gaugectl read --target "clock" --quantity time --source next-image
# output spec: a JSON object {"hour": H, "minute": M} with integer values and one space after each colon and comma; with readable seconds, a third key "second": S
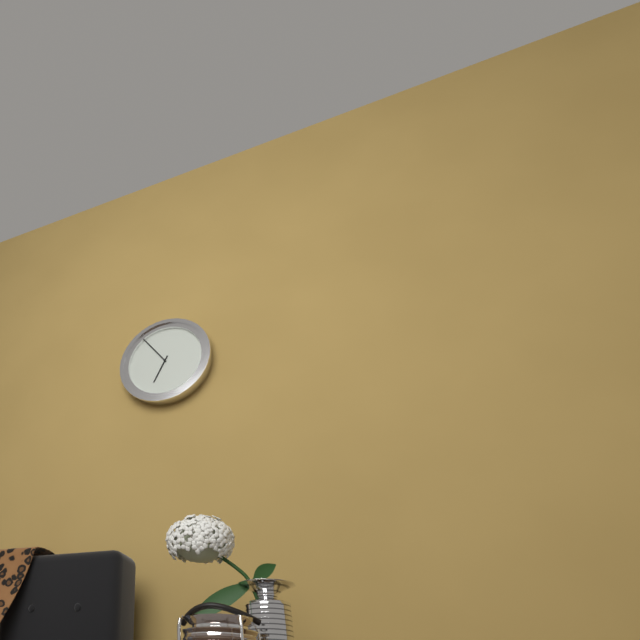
{"hour": 6, "minute": 54}
